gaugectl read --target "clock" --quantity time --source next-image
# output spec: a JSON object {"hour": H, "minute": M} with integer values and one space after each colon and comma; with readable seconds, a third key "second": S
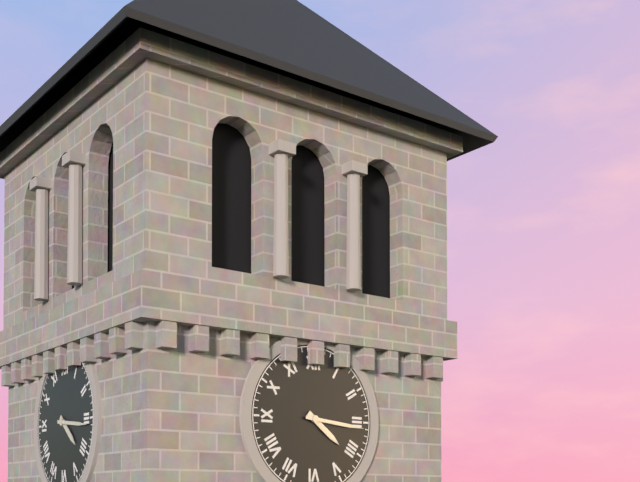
{"hour": 4, "minute": 16}
